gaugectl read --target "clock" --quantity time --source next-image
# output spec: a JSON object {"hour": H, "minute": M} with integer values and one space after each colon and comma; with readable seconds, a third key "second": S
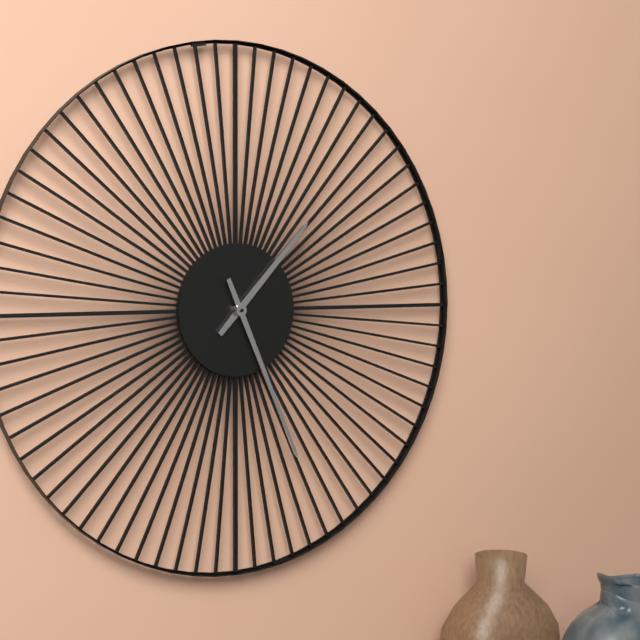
{"hour": 1, "minute": 26}
